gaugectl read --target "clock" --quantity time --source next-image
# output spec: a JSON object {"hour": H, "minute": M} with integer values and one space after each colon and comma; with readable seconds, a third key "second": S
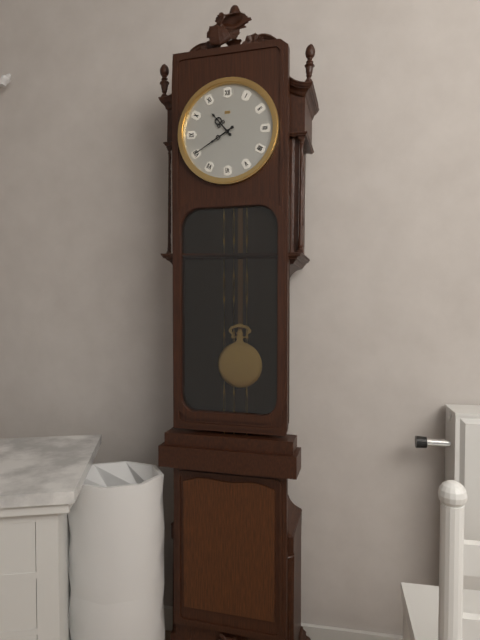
{"hour": 10, "minute": 40}
